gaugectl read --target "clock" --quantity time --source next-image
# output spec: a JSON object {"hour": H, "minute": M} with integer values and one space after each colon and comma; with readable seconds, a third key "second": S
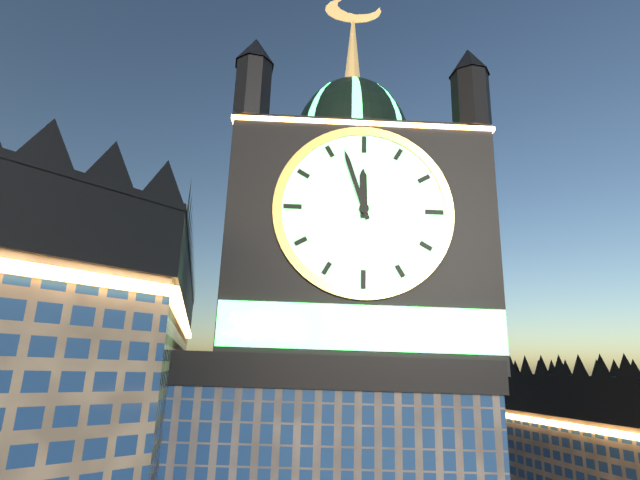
{"hour": 11, "minute": 57}
